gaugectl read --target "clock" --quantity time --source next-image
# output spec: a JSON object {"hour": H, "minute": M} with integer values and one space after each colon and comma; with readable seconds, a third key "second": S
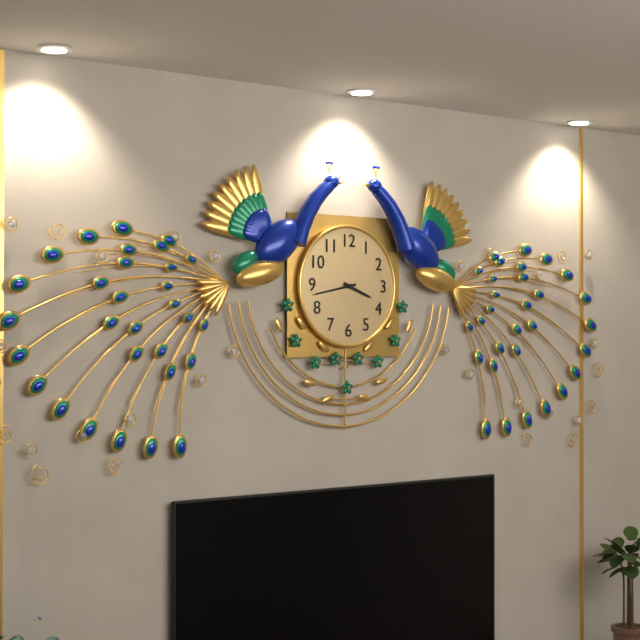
{"hour": 3, "minute": 43}
